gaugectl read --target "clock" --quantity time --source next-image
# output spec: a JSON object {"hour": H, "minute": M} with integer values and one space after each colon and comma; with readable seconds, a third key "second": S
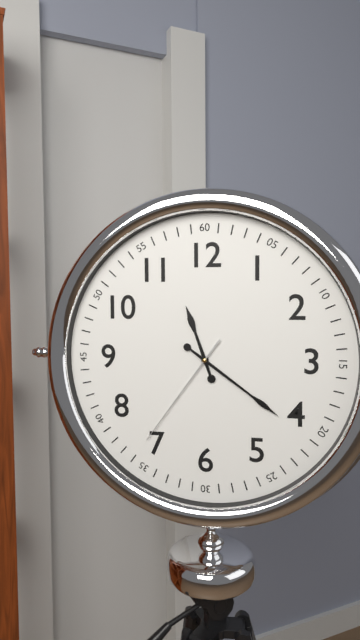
{"hour": 11, "minute": 21, "second": 36}
